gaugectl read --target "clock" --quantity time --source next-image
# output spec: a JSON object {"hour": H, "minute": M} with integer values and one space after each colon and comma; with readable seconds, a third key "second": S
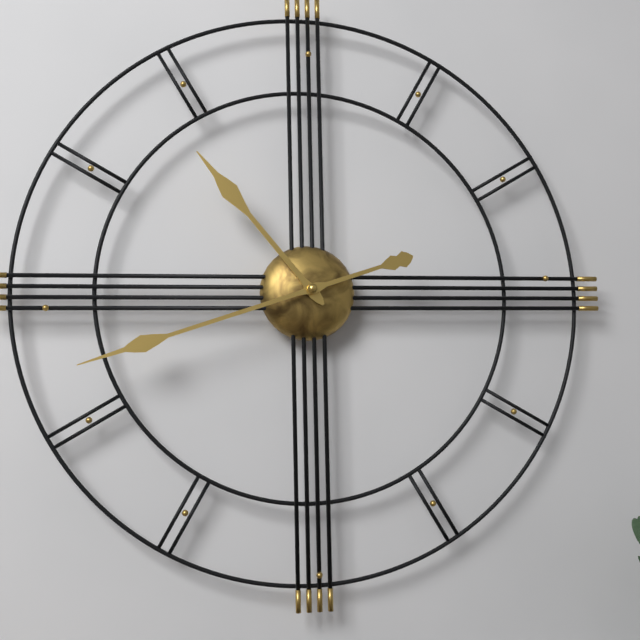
{"hour": 10, "minute": 42}
